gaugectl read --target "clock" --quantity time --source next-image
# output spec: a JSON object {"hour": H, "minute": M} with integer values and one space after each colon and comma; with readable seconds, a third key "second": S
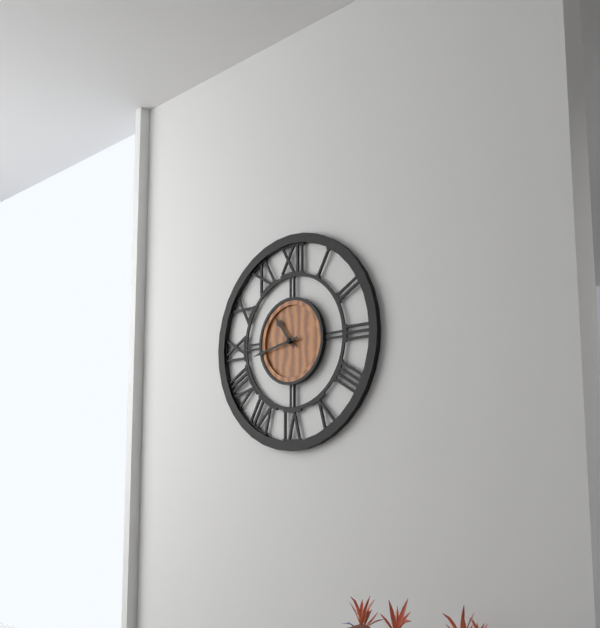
{"hour": 10, "minute": 43}
